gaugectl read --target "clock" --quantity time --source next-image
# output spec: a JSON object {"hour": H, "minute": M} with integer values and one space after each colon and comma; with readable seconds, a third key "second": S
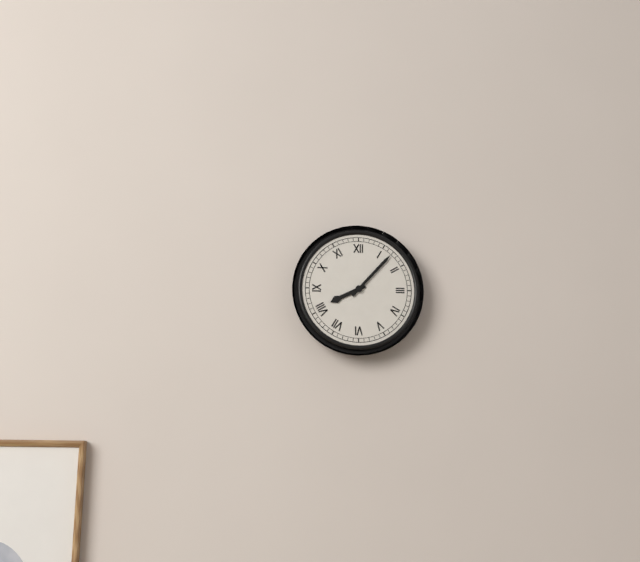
{"hour": 8, "minute": 7}
